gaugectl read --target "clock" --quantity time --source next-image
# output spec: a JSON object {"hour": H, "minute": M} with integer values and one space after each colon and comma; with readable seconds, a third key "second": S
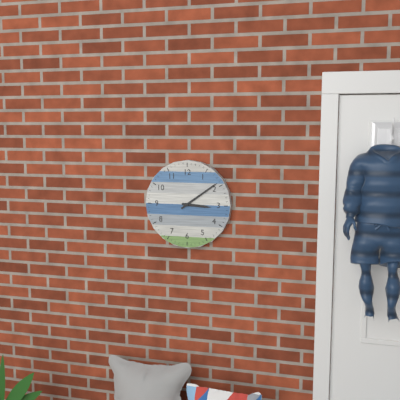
{"hour": 3, "minute": 9}
